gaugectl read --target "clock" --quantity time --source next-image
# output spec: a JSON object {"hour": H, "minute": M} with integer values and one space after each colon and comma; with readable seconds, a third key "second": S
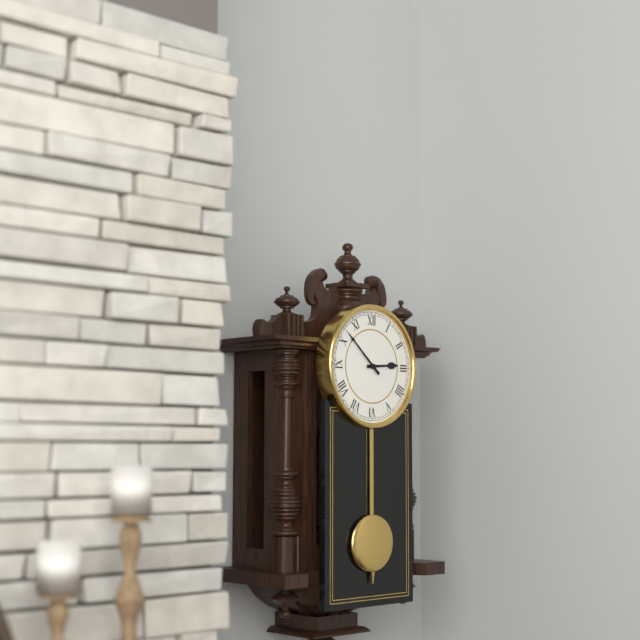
{"hour": 2, "minute": 52}
